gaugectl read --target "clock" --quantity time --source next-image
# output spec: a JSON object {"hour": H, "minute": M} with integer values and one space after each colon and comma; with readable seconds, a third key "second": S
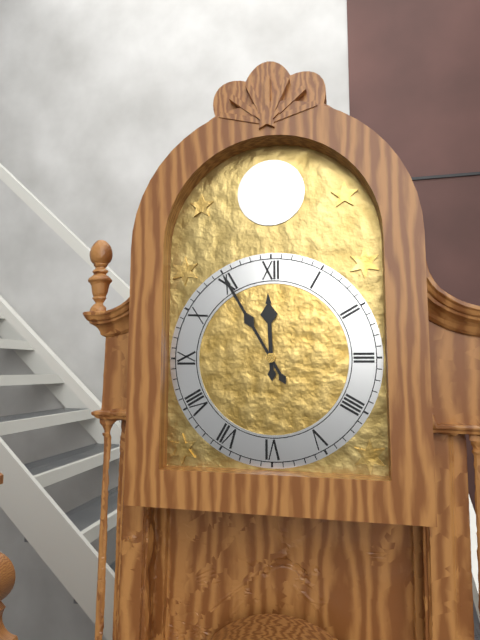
{"hour": 11, "minute": 55}
